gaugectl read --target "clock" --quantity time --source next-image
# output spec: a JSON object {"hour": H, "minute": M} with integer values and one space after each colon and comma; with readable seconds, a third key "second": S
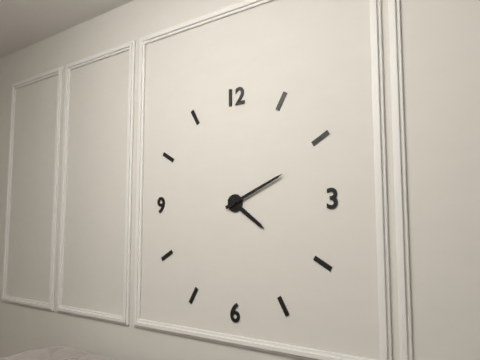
{"hour": 4, "minute": 11}
